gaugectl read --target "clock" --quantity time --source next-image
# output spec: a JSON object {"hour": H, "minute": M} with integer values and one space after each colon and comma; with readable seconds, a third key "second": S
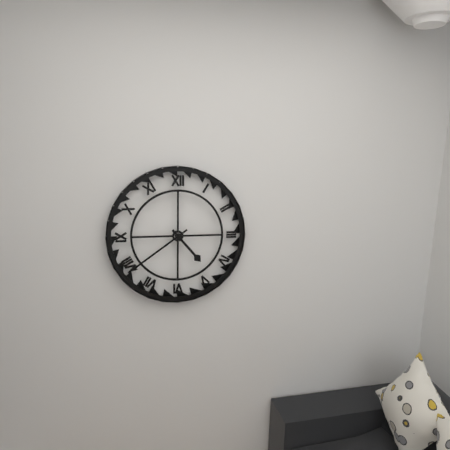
{"hour": 4, "minute": 39}
